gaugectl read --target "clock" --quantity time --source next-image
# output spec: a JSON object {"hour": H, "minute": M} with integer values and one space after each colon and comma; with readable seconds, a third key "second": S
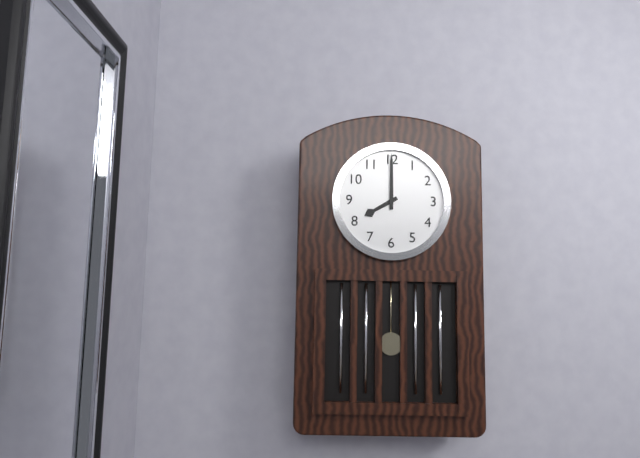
{"hour": 8, "minute": 0}
